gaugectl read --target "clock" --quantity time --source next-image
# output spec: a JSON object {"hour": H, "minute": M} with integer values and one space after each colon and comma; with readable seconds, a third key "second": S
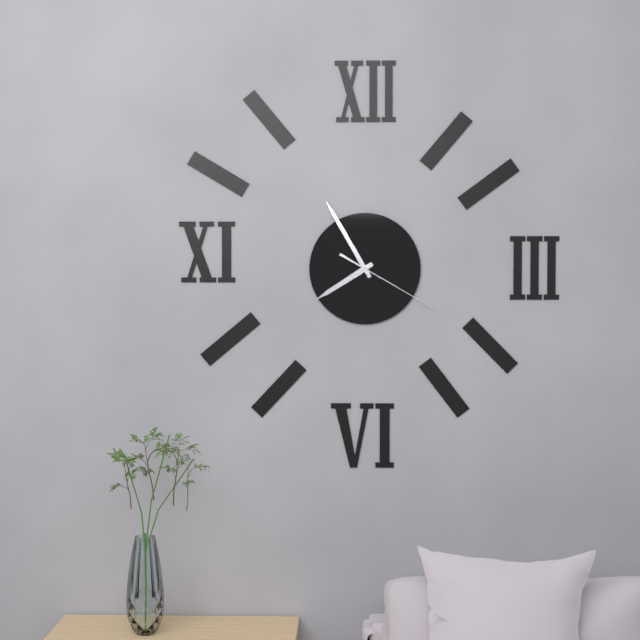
{"hour": 7, "minute": 55, "second": 20}
